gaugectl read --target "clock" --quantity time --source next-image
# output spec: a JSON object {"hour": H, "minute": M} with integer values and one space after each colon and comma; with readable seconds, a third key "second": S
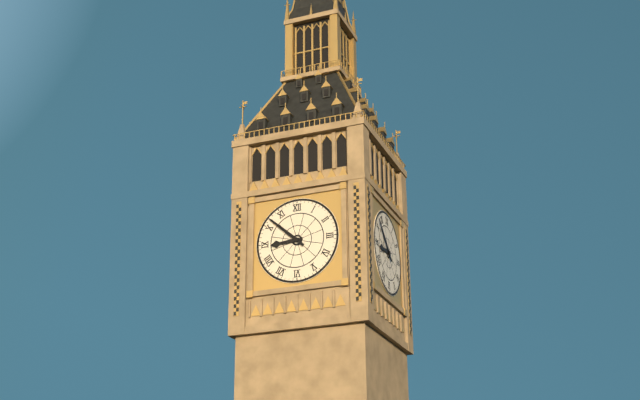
{"hour": 8, "minute": 52}
